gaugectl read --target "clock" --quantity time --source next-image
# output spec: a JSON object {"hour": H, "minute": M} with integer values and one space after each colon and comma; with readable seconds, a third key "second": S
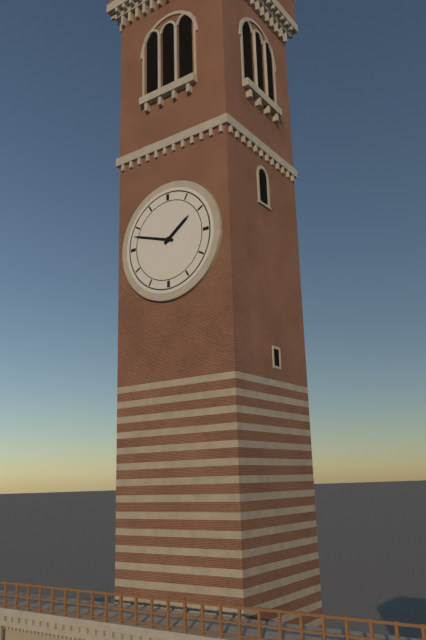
{"hour": 1, "minute": 48}
